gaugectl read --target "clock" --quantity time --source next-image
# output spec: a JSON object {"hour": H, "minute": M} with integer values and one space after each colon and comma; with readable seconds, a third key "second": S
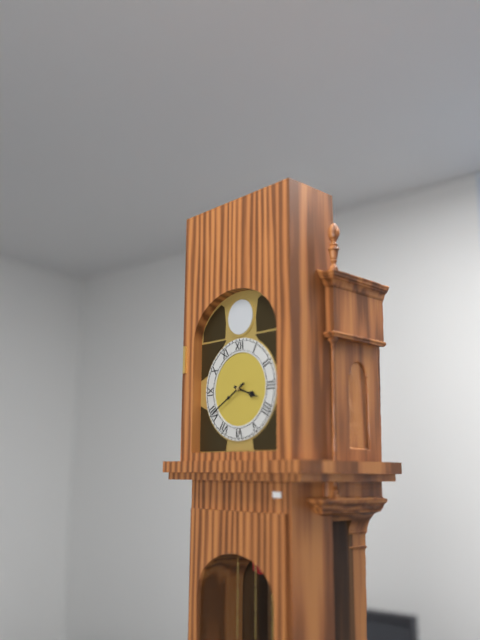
{"hour": 3, "minute": 40}
